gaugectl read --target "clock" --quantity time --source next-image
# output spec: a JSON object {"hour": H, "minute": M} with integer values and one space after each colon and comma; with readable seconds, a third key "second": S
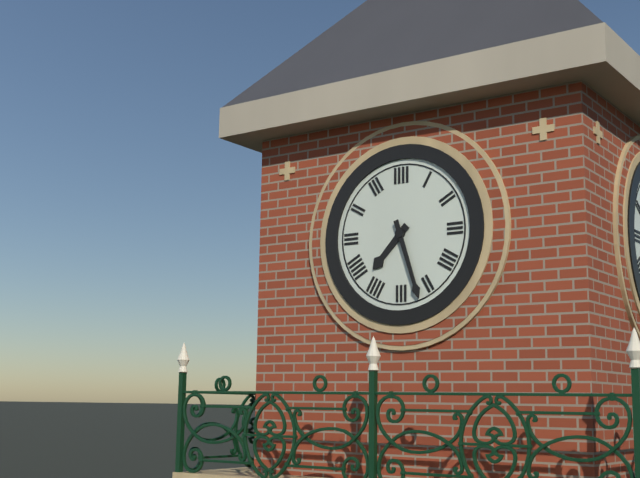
{"hour": 7, "minute": 27}
